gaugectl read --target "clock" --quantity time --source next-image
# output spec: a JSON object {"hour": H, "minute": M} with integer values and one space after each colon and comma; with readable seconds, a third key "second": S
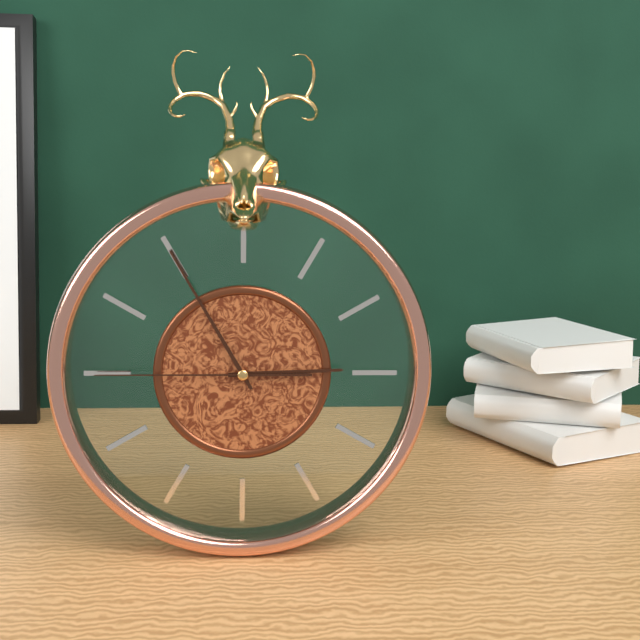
{"hour": 2, "minute": 55, "second": 45}
